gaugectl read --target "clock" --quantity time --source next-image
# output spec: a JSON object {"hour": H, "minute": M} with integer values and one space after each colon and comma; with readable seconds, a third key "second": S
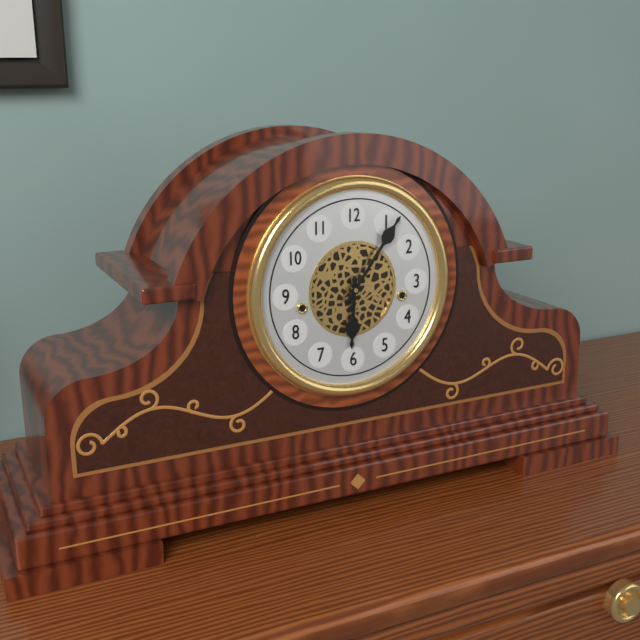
{"hour": 6, "minute": 6}
